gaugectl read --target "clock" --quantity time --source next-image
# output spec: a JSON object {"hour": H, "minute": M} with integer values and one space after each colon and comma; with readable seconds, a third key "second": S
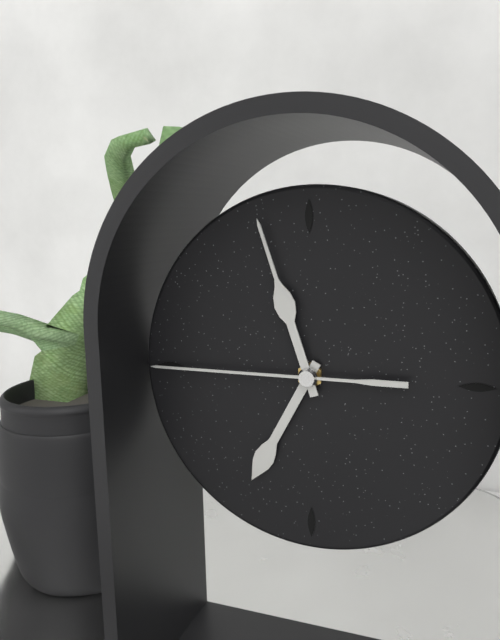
{"hour": 6, "minute": 57, "second": 45}
